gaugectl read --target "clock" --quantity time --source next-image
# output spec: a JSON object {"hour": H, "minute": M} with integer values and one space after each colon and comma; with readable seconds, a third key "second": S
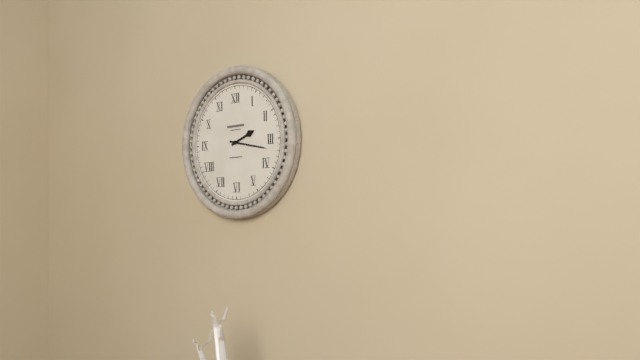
{"hour": 2, "minute": 17}
